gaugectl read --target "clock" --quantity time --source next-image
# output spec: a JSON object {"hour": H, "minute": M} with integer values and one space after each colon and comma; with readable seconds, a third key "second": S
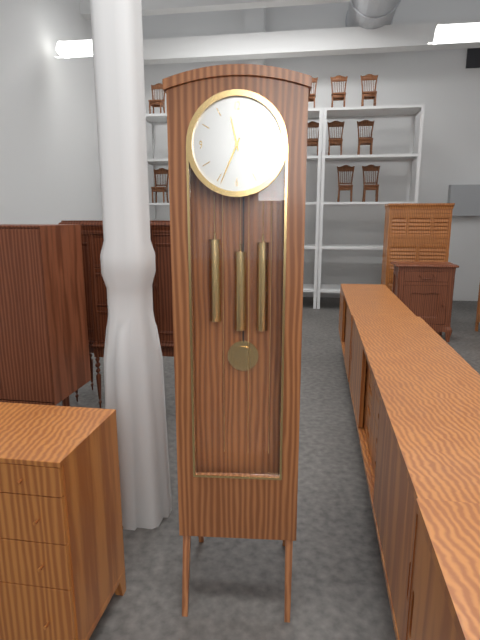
{"hour": 11, "minute": 34}
